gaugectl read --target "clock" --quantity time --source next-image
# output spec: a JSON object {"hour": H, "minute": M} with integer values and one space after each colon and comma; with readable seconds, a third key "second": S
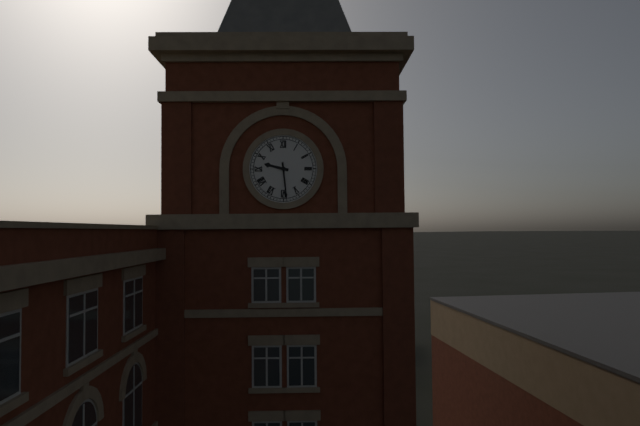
{"hour": 9, "minute": 29}
